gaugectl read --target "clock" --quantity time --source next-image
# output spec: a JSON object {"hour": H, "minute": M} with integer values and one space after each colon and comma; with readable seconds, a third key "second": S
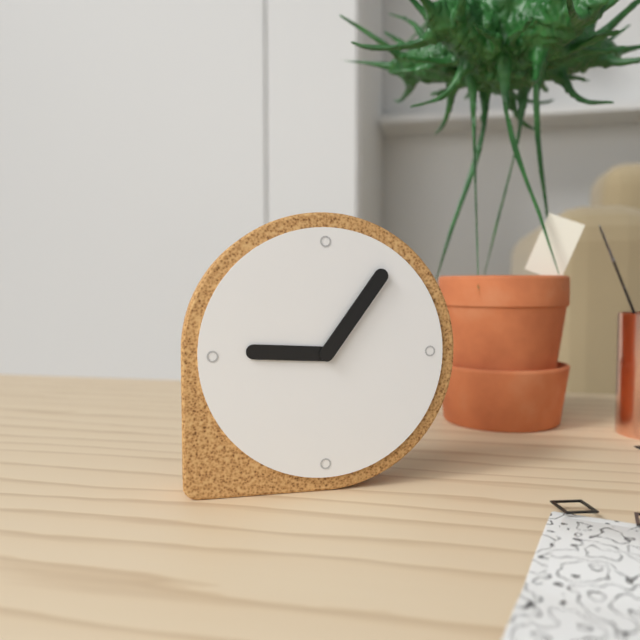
{"hour": 9, "minute": 6}
